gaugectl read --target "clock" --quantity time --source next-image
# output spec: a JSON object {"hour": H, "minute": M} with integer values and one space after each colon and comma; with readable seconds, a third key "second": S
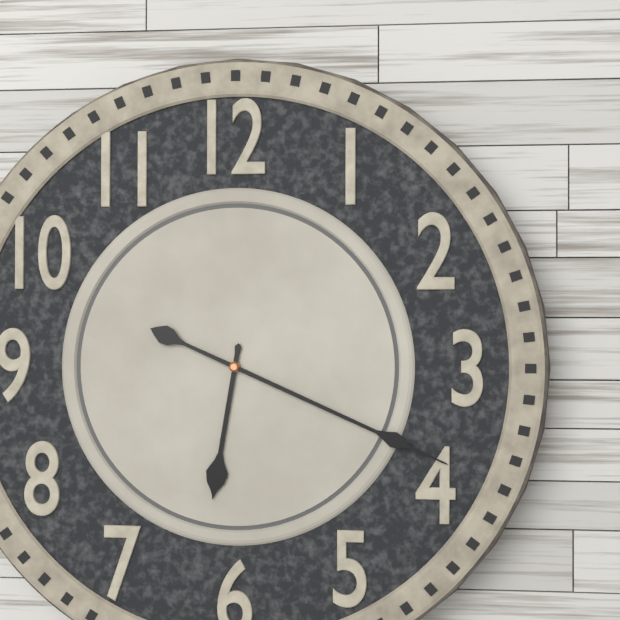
{"hour": 6, "minute": 19}
